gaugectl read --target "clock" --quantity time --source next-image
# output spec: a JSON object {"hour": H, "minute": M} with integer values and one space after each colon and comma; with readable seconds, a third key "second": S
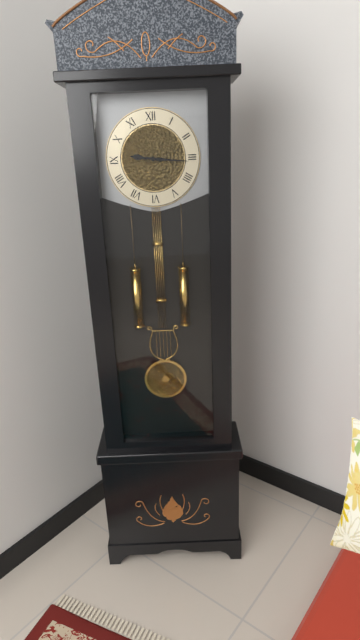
{"hour": 9, "minute": 16}
